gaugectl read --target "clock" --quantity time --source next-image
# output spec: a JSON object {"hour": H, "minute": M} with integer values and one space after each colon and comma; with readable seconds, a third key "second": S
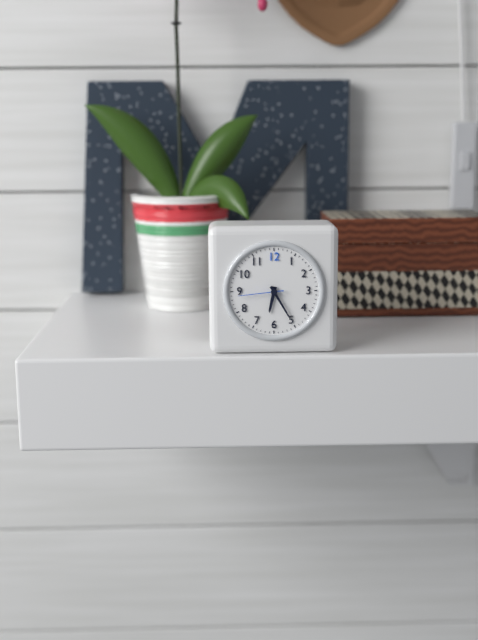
{"hour": 6, "minute": 25}
